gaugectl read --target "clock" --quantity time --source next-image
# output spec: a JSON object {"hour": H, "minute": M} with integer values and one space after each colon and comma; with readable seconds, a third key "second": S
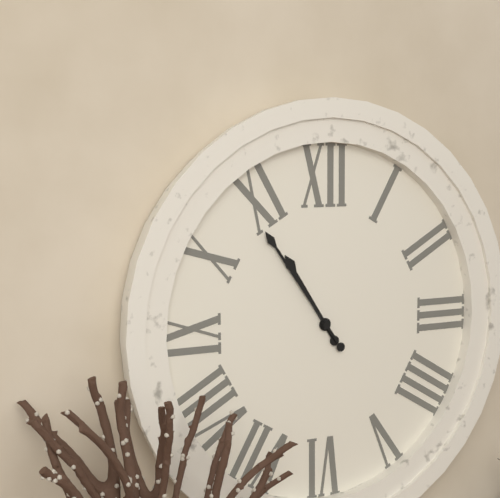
{"hour": 10, "minute": 54}
